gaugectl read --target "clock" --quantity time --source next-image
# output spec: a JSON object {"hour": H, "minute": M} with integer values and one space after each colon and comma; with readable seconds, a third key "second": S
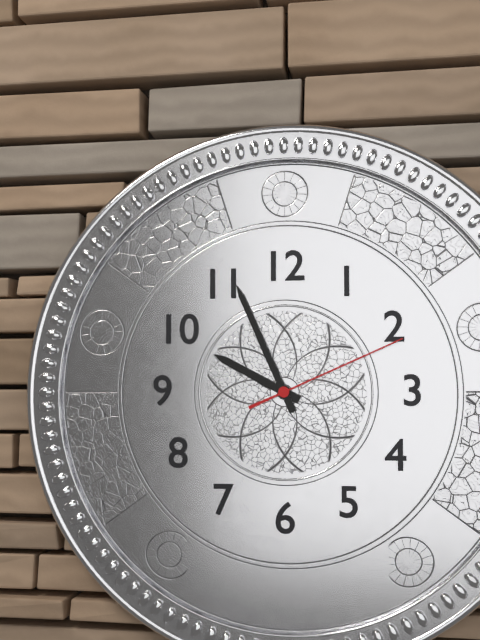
{"hour": 9, "minute": 56, "second": 11}
